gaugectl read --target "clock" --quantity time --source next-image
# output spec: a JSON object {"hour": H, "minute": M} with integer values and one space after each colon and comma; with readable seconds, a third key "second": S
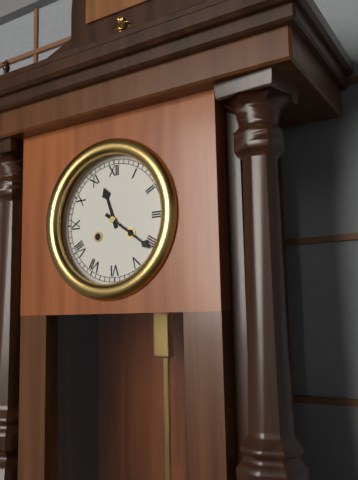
{"hour": 11, "minute": 21}
